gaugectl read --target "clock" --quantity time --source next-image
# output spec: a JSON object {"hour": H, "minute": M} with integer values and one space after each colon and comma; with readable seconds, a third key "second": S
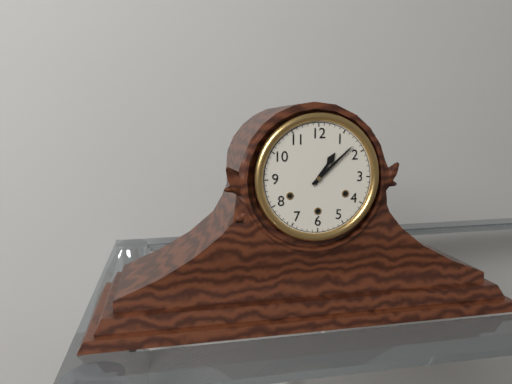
{"hour": 1, "minute": 8}
